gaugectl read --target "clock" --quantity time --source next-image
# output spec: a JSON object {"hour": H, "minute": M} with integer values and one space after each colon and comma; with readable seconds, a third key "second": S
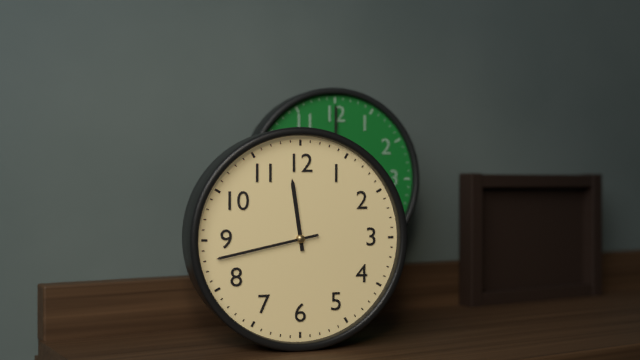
{"hour": 11, "minute": 43}
